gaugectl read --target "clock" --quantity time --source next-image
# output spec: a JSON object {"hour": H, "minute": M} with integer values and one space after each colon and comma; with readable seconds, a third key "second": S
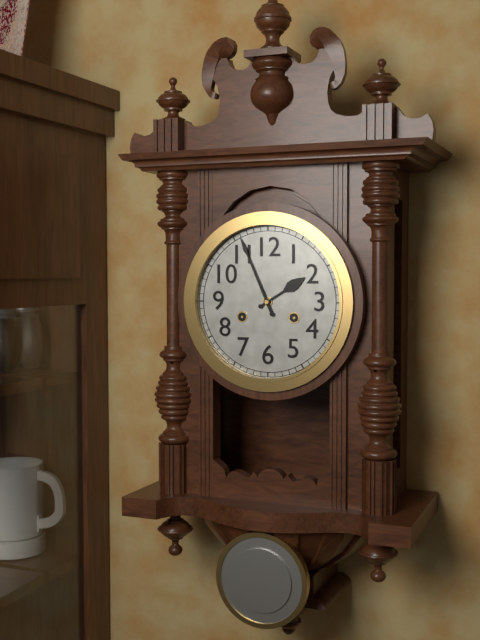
{"hour": 1, "minute": 56}
